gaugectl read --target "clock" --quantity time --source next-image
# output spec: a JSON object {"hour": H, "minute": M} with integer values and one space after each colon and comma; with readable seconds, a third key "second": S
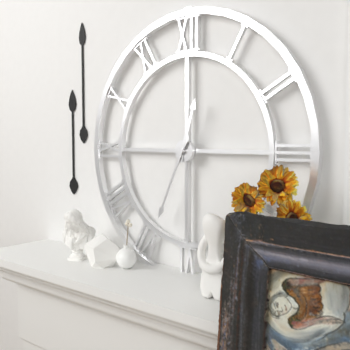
{"hour": 12, "minute": 34}
